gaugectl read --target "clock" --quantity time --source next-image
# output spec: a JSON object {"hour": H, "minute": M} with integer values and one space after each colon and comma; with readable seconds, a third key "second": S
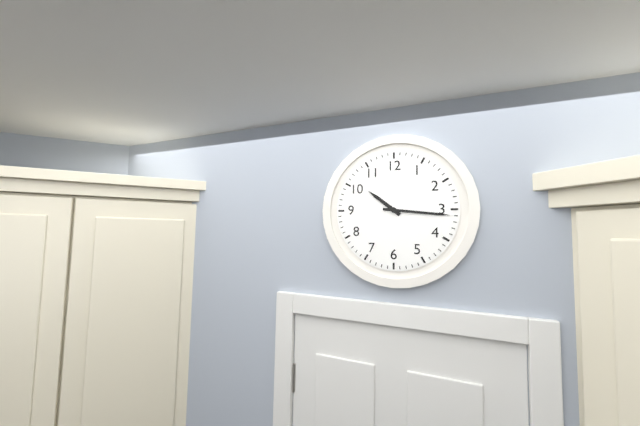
{"hour": 10, "minute": 16}
